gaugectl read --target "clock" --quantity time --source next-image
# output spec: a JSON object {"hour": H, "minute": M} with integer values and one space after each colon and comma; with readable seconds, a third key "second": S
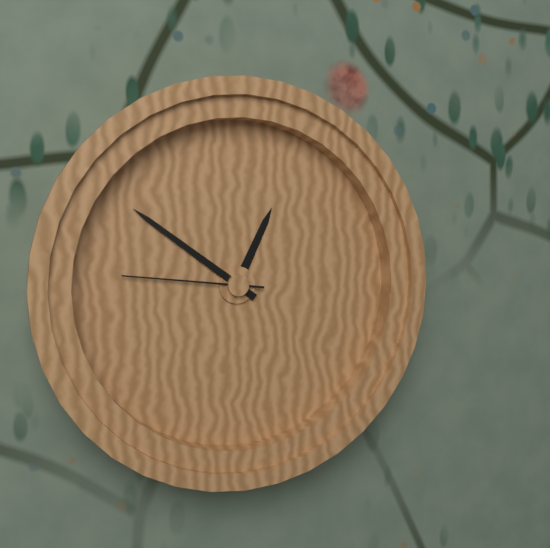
{"hour": 12, "minute": 51, "second": 46}
